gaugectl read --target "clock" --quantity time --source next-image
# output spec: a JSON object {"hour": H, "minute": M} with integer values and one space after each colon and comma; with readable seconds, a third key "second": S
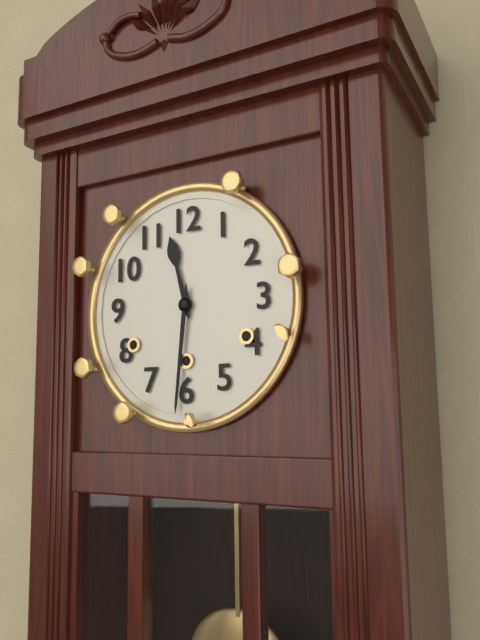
{"hour": 11, "minute": 31}
